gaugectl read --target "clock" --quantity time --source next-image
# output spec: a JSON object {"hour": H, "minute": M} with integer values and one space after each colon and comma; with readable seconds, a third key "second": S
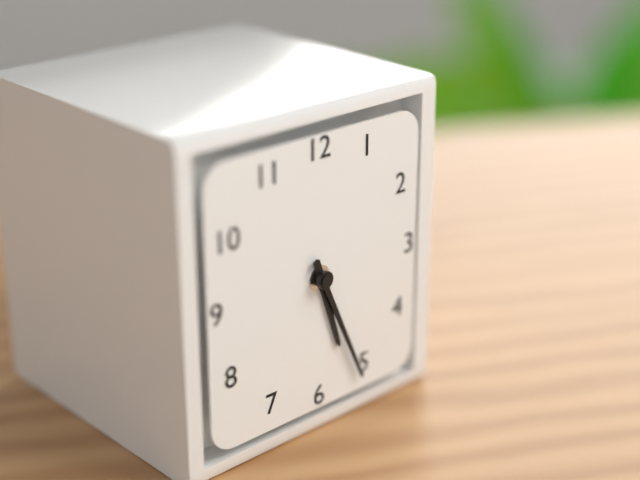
{"hour": 5, "minute": 26}
